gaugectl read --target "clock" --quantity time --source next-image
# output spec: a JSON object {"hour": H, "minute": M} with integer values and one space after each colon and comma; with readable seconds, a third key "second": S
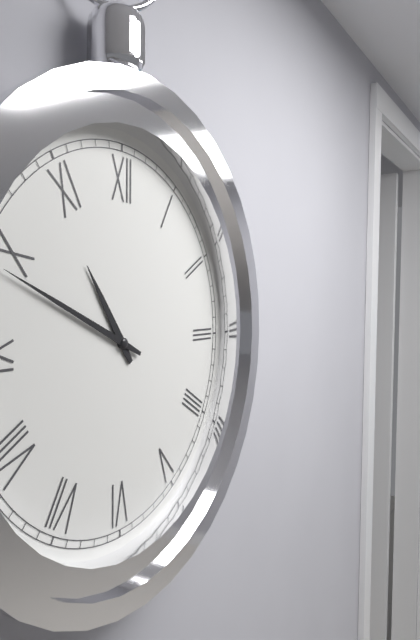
{"hour": 10, "minute": 49}
